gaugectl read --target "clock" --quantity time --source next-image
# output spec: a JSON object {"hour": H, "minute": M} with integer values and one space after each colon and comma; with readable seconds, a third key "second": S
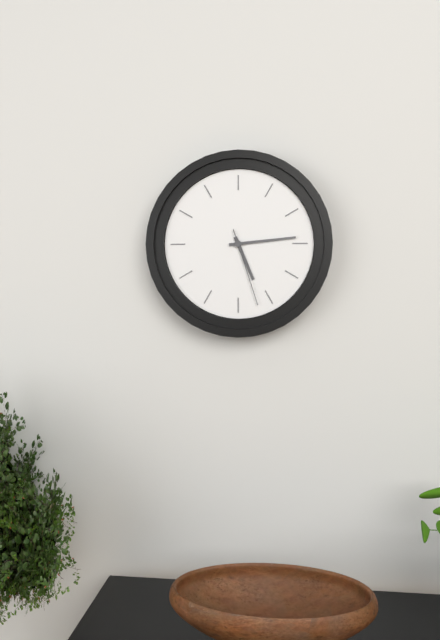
{"hour": 5, "minute": 14, "second": 27}
